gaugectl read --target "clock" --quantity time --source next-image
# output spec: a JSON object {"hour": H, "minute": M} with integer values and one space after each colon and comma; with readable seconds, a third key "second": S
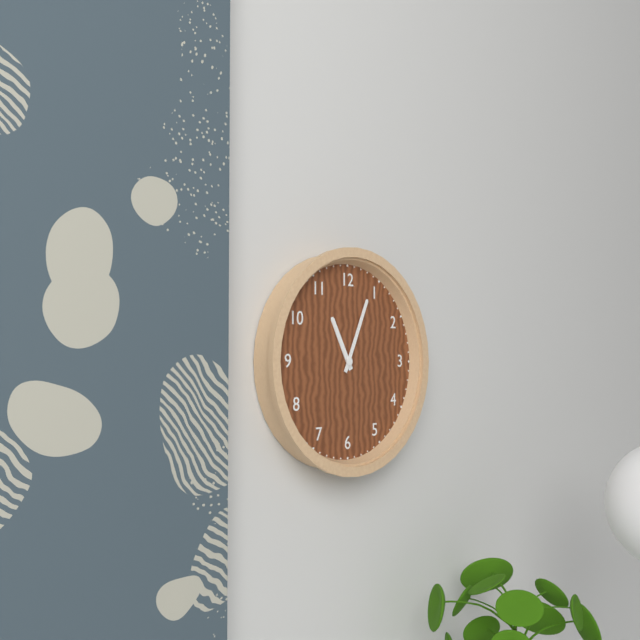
{"hour": 11, "minute": 4}
